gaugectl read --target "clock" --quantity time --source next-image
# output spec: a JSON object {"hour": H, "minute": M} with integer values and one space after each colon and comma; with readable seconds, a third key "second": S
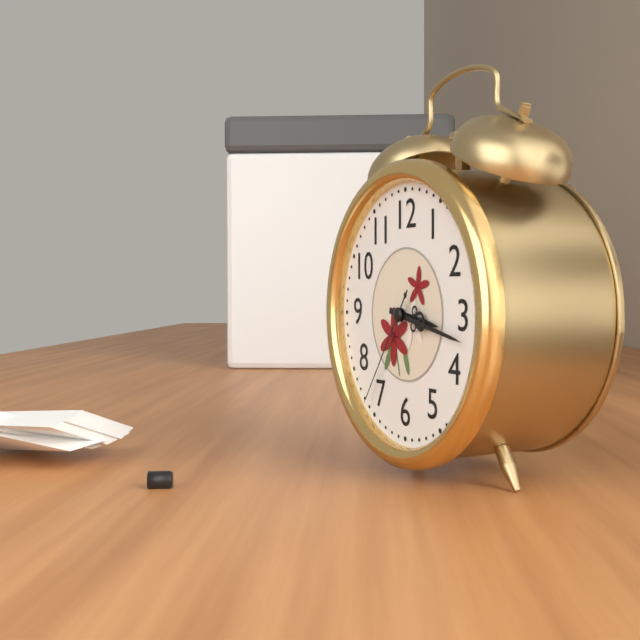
{"hour": 3, "minute": 17, "second": 36}
